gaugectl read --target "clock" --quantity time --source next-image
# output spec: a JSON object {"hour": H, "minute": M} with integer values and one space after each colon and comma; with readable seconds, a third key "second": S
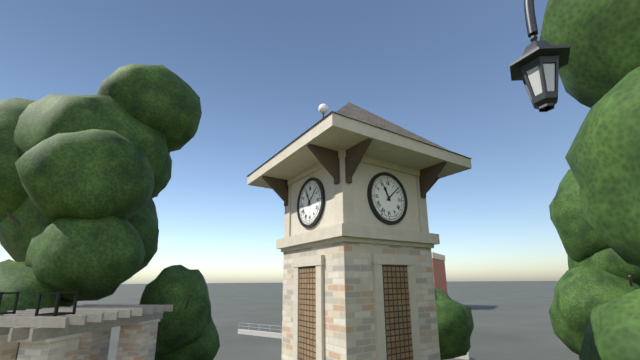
{"hour": 11, "minute": 8}
